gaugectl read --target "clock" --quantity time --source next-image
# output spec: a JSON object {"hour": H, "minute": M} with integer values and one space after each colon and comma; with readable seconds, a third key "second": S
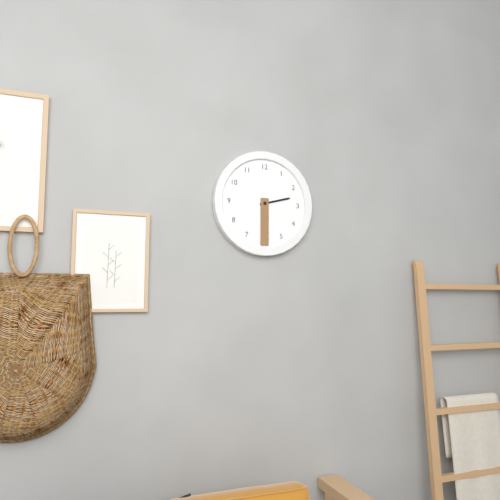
{"hour": 2, "minute": 30}
